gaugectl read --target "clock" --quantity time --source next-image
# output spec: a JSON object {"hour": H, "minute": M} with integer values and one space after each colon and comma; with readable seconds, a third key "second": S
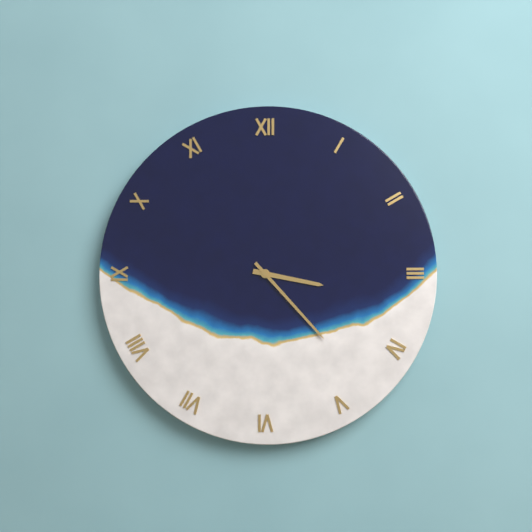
{"hour": 3, "minute": 23}
